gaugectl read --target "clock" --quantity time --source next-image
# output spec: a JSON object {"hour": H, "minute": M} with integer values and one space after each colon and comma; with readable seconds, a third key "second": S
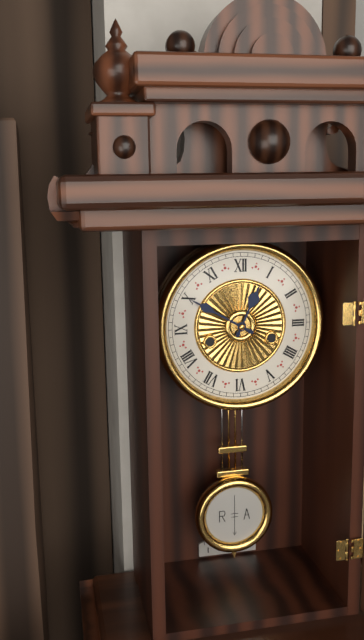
{"hour": 12, "minute": 50}
